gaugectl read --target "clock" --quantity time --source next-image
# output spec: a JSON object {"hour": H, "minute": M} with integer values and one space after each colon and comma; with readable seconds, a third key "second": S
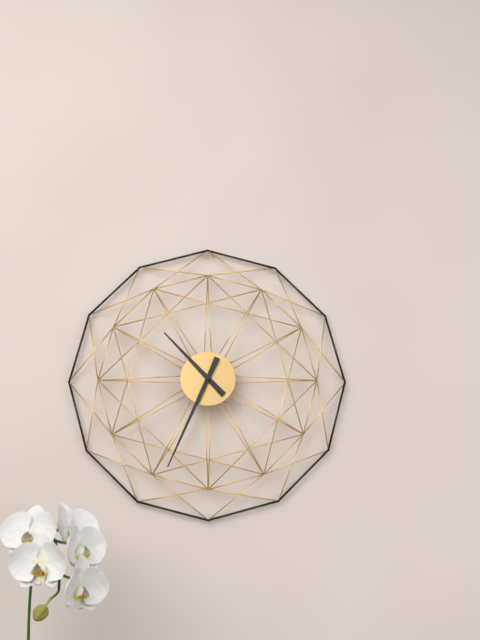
{"hour": 10, "minute": 34}
